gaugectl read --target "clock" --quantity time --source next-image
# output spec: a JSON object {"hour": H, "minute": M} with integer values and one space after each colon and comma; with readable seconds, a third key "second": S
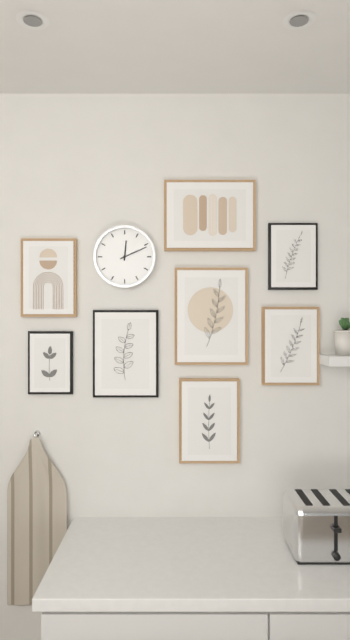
{"hour": 12, "minute": 11}
